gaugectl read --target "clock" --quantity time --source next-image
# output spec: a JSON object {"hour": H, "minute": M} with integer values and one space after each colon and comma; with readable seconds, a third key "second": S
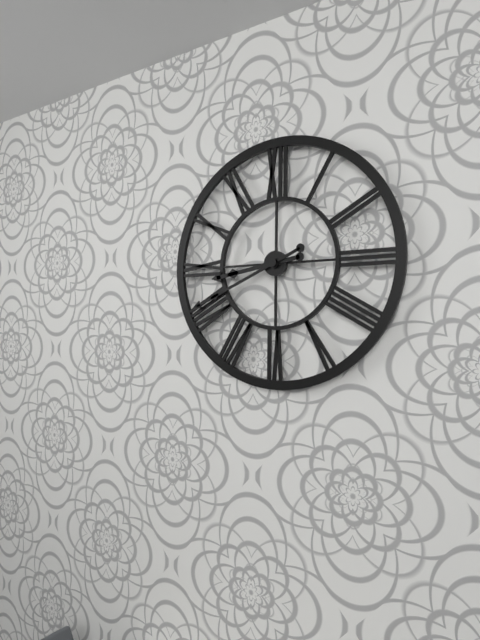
{"hour": 8, "minute": 41}
